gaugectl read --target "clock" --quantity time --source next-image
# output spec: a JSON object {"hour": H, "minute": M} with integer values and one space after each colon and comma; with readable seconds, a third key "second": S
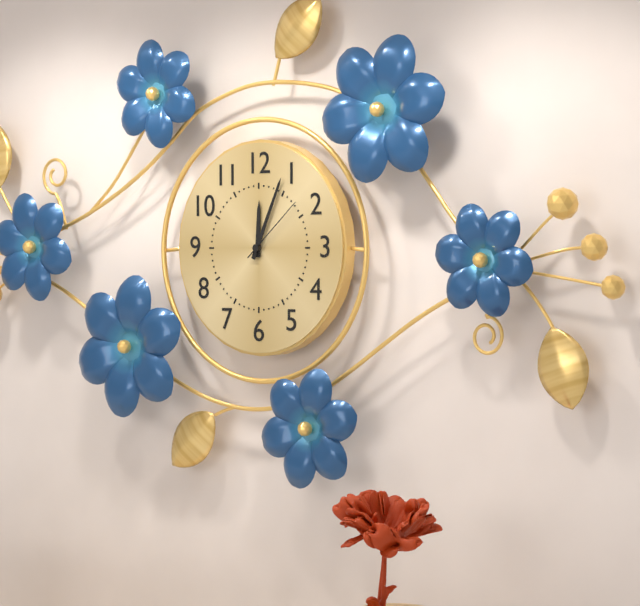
{"hour": 12, "minute": 4, "second": 8}
